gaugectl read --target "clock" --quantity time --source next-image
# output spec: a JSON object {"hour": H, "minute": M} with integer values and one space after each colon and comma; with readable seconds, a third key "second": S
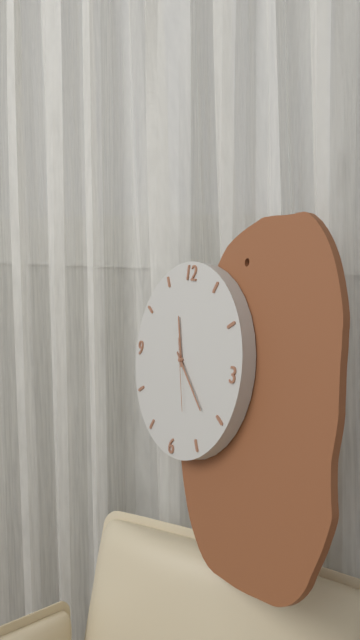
{"hour": 11, "minute": 22, "second": 27}
